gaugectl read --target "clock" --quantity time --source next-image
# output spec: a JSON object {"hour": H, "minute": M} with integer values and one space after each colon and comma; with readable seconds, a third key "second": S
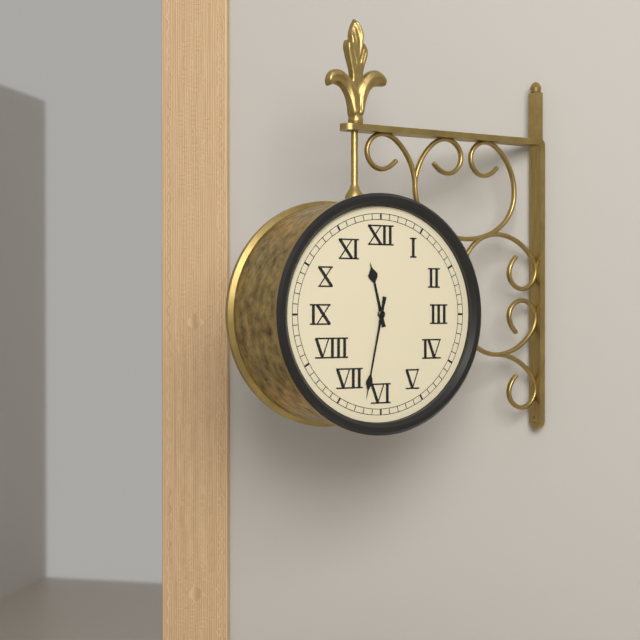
{"hour": 11, "minute": 32}
